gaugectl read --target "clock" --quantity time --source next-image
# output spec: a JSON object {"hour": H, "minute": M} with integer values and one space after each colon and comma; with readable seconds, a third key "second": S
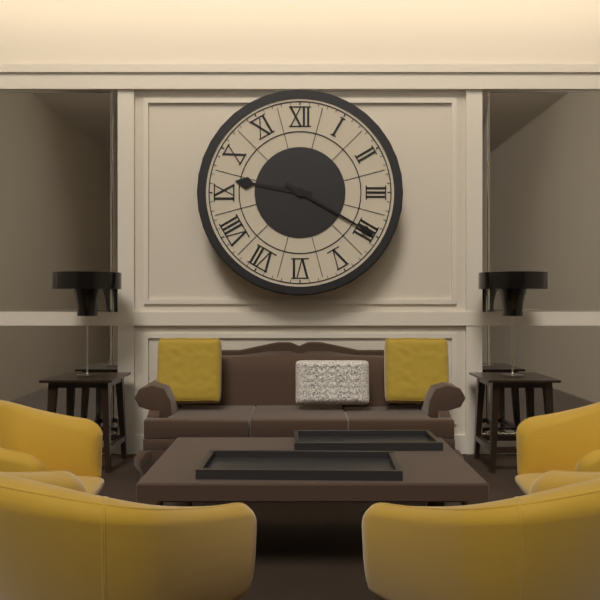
{"hour": 9, "minute": 20}
